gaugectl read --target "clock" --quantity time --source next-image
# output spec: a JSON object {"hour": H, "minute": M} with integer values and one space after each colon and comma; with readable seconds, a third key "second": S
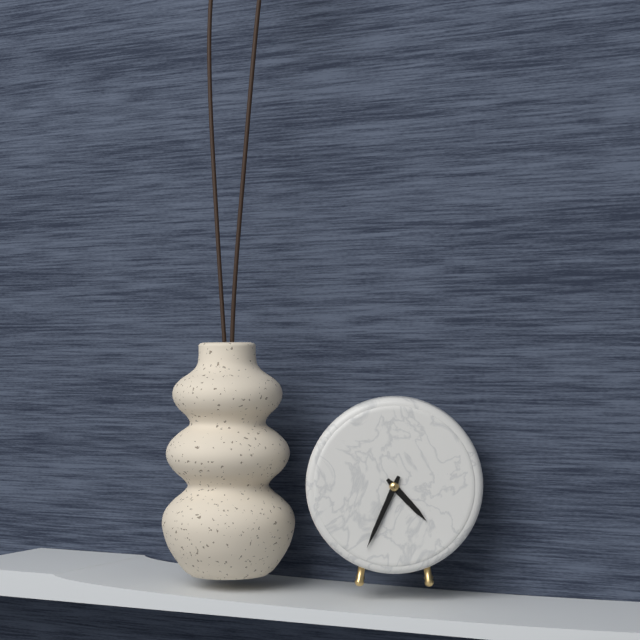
{"hour": 4, "minute": 34}
